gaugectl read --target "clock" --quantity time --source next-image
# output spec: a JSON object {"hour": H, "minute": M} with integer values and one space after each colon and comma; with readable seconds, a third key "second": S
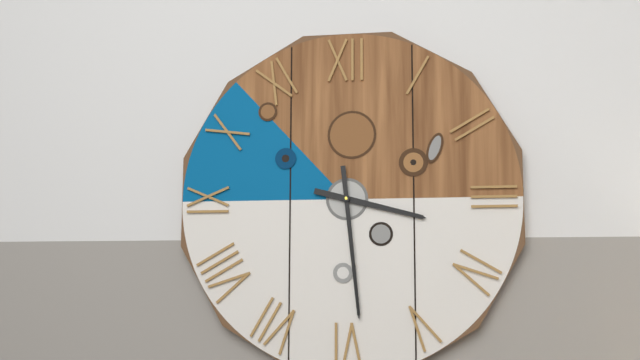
{"hour": 3, "minute": 29}
